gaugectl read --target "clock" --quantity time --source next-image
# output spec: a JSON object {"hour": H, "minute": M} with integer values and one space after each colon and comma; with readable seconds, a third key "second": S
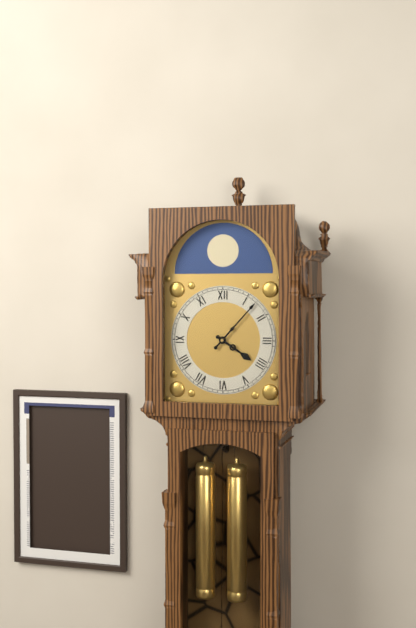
{"hour": 4, "minute": 7}
